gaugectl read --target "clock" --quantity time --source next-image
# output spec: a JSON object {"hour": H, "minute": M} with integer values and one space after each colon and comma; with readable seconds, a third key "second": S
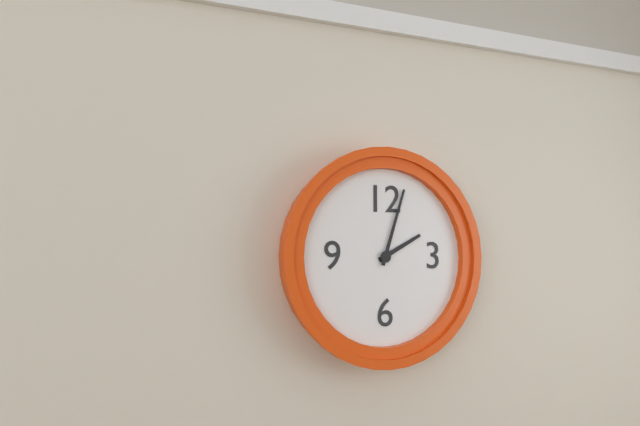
{"hour": 2, "minute": 3}
